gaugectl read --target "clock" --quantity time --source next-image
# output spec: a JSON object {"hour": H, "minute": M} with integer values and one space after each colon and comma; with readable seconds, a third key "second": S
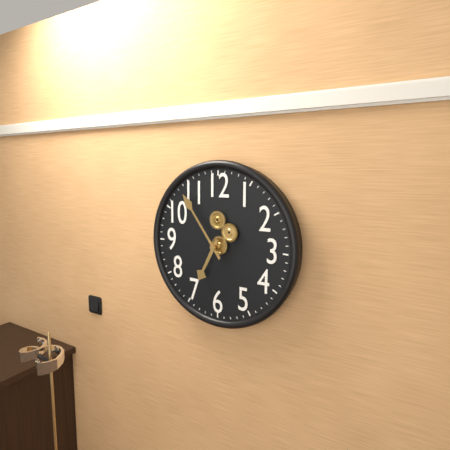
{"hour": 6, "minute": 54}
